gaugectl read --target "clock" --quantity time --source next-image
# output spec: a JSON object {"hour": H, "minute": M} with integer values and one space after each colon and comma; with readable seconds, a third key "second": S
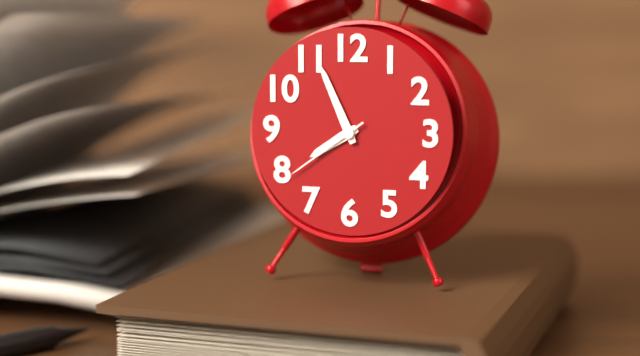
{"hour": 7, "minute": 56, "second": 39}
